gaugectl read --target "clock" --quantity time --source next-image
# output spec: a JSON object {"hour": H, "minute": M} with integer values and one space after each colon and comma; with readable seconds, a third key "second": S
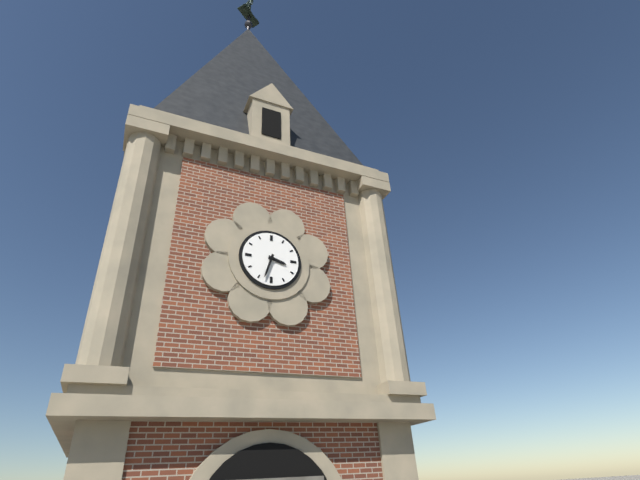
{"hour": 3, "minute": 33}
